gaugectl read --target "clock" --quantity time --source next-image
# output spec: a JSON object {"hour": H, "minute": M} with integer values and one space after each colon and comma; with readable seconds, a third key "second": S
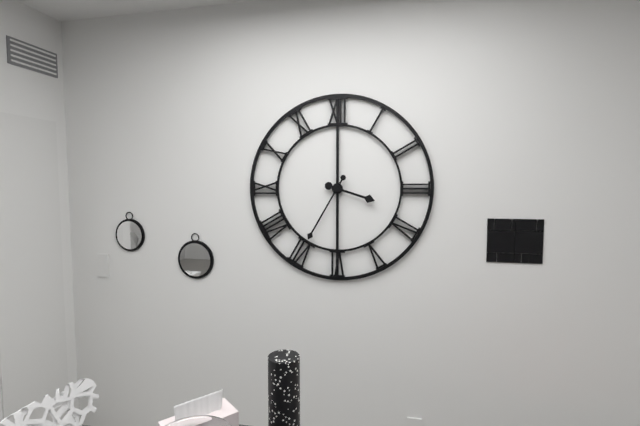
{"hour": 3, "minute": 35}
